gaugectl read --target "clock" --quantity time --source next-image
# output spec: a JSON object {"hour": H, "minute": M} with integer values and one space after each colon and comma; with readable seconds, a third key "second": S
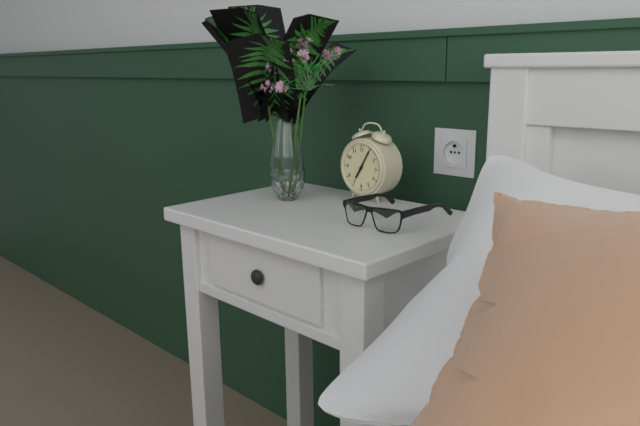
{"hour": 7, "minute": 5}
